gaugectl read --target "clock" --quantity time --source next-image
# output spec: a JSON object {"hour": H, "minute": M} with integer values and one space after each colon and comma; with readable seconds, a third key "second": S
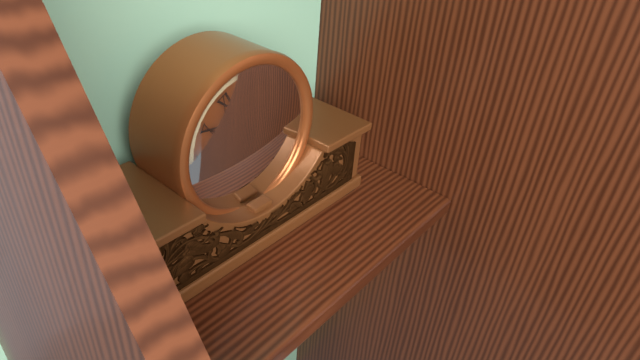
{"hour": 11, "minute": 50}
